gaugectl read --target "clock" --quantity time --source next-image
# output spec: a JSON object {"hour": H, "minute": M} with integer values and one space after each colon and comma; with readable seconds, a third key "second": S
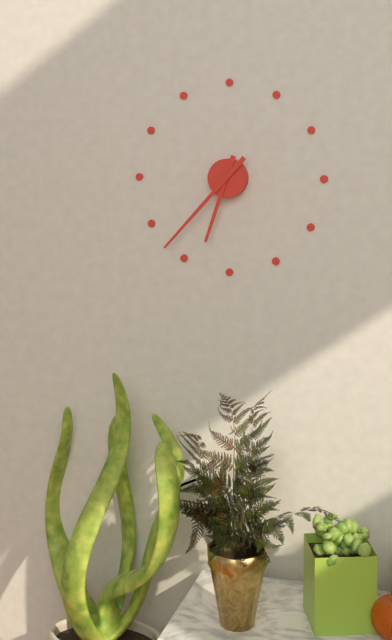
{"hour": 6, "minute": 37}
